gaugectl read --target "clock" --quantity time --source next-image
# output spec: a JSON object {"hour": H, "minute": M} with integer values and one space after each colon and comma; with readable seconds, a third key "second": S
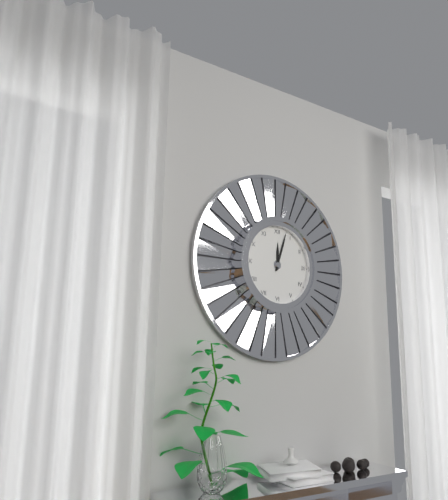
{"hour": 12, "minute": 3}
